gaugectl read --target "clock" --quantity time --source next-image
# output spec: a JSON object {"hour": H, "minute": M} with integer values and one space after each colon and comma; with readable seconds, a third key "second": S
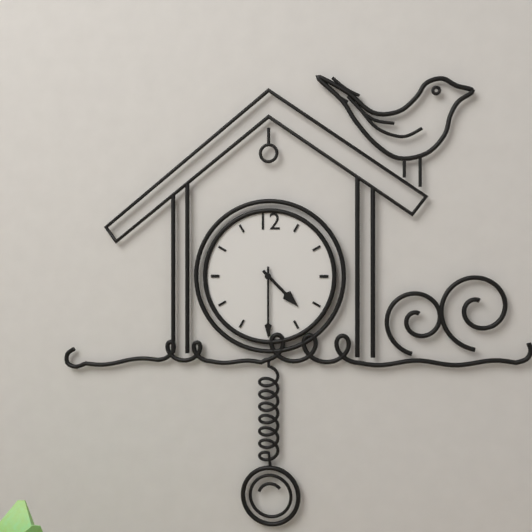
{"hour": 4, "minute": 30}
